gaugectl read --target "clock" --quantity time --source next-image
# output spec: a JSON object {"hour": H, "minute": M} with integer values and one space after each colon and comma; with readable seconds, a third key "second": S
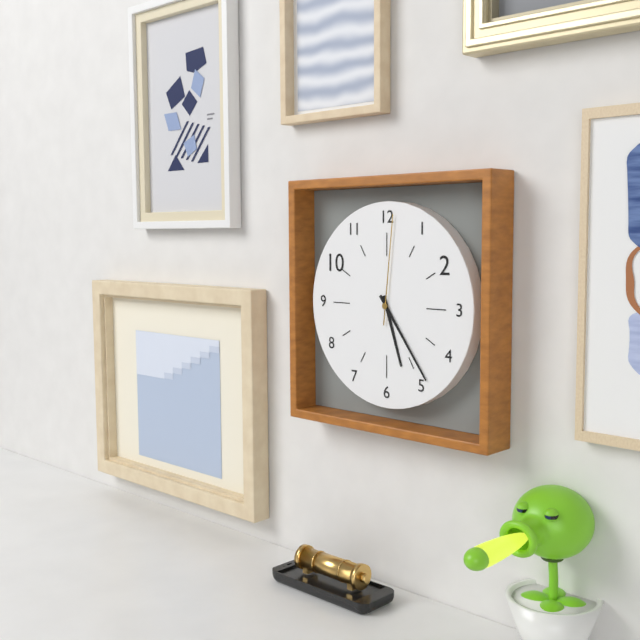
{"hour": 5, "minute": 24, "second": 1}
